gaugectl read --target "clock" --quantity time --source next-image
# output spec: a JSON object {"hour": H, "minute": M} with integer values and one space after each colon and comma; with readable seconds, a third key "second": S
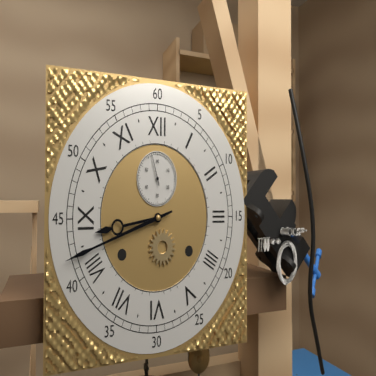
{"hour": 8, "minute": 42}
